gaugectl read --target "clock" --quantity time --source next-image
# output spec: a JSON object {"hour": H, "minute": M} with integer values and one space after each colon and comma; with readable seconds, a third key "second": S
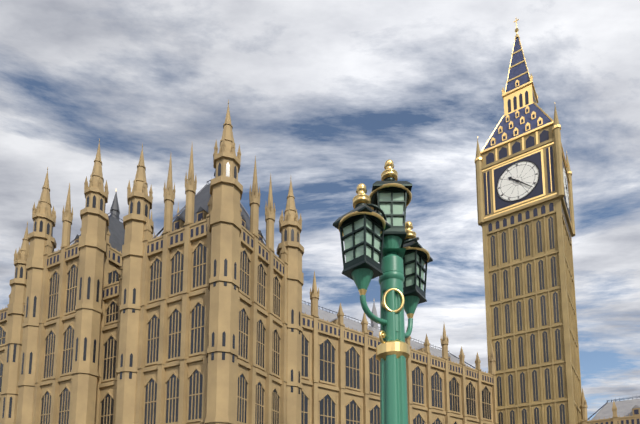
{"hour": 10, "minute": 22}
